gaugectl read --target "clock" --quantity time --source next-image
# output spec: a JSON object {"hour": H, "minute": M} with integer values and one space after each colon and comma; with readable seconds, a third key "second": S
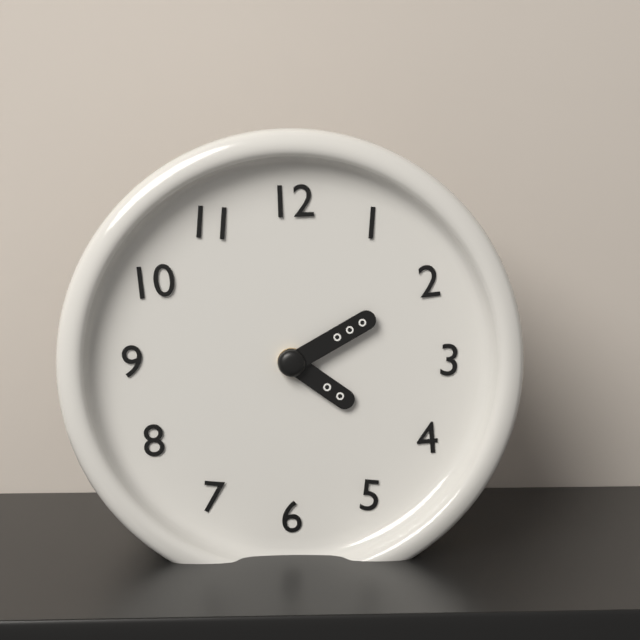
{"hour": 4, "minute": 10}
